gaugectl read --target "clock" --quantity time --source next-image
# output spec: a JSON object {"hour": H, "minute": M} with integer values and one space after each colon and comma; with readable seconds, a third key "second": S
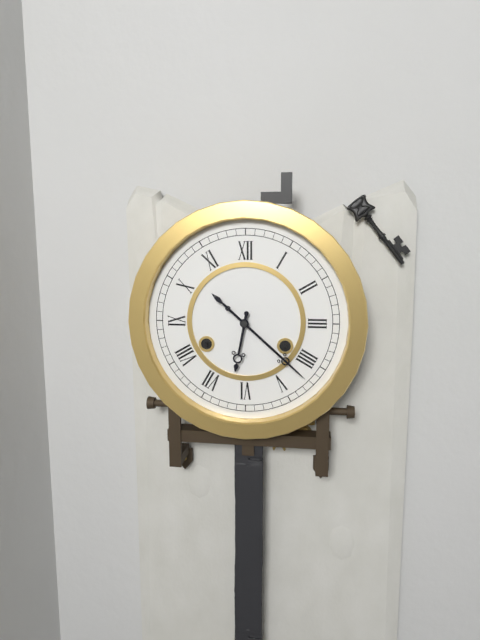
{"hour": 6, "minute": 22}
